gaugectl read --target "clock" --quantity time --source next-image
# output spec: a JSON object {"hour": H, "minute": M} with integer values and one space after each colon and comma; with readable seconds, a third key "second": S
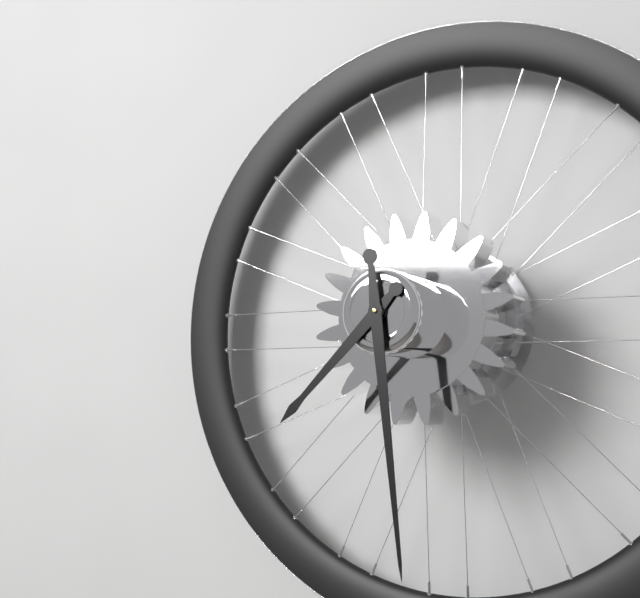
{"hour": 7, "minute": 29}
